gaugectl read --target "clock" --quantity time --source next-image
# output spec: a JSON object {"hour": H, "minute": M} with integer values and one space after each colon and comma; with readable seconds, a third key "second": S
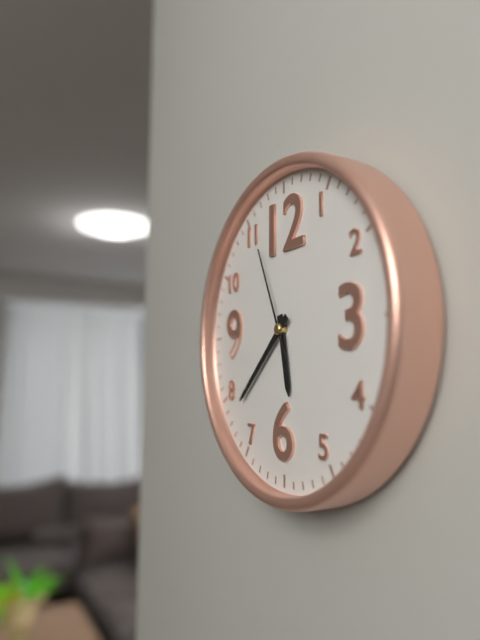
{"hour": 5, "minute": 38, "second": 56}
